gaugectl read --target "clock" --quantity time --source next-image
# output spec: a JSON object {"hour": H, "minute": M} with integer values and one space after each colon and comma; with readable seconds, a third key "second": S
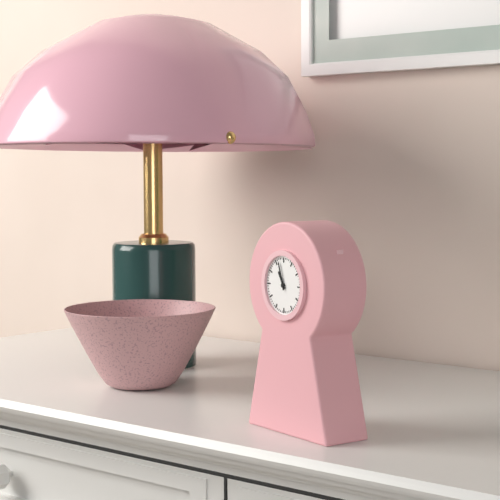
{"hour": 10, "minute": 57}
